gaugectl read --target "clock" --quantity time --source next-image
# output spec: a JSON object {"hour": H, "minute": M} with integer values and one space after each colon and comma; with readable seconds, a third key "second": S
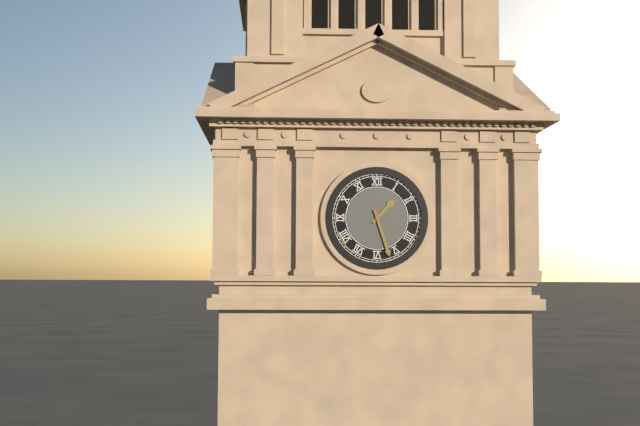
{"hour": 1, "minute": 27}
